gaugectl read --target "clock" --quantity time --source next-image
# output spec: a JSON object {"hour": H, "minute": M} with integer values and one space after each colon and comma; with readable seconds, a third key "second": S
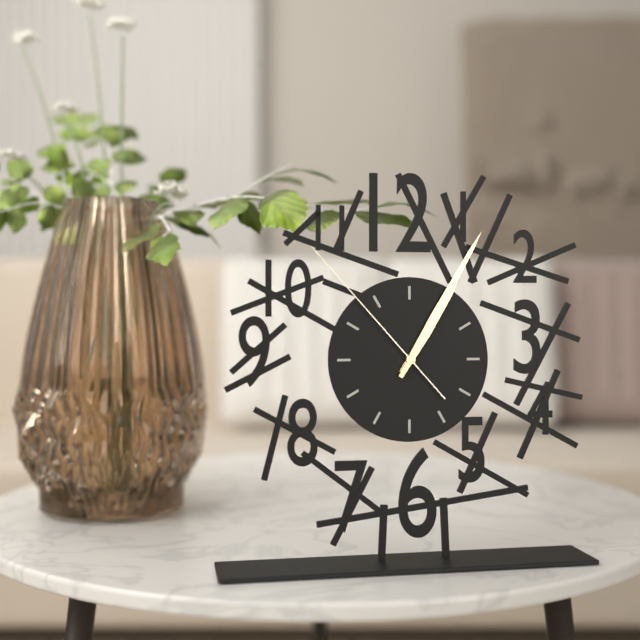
{"hour": 1, "minute": 5, "second": 53}
